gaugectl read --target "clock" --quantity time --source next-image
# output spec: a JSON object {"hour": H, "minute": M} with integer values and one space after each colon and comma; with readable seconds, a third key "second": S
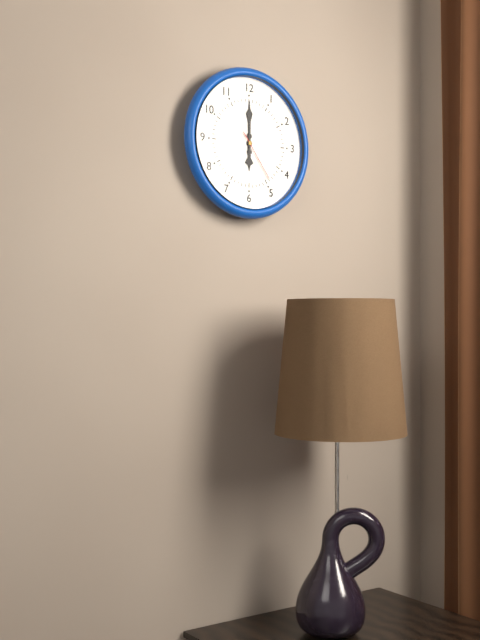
{"hour": 6, "minute": 0, "second": 24}
